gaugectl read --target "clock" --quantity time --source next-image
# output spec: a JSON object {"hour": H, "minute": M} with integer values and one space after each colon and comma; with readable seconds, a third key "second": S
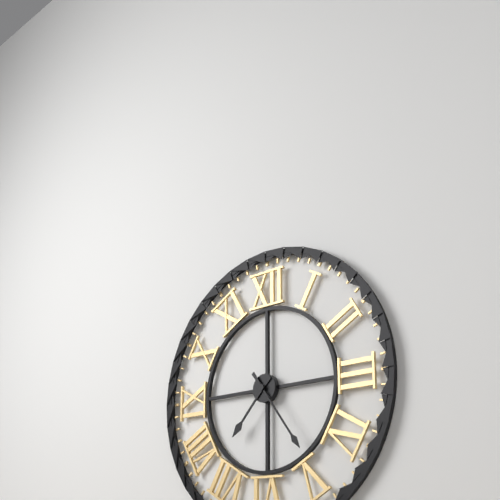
{"hour": 7, "minute": 24}
